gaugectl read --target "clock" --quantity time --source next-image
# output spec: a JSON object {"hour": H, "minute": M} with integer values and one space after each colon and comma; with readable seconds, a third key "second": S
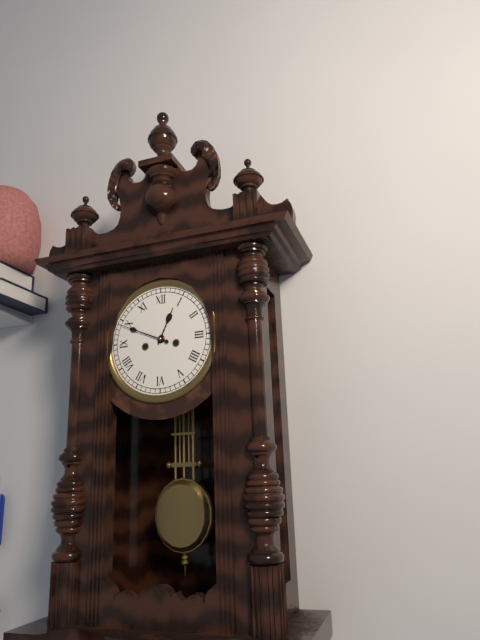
{"hour": 12, "minute": 49}
